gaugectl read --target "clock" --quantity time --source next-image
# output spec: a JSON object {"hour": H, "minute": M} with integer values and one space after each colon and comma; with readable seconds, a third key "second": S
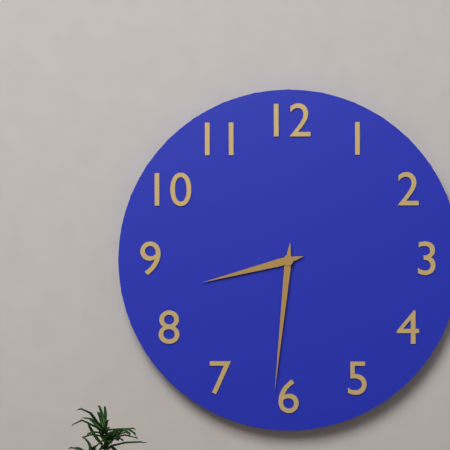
{"hour": 8, "minute": 31}
